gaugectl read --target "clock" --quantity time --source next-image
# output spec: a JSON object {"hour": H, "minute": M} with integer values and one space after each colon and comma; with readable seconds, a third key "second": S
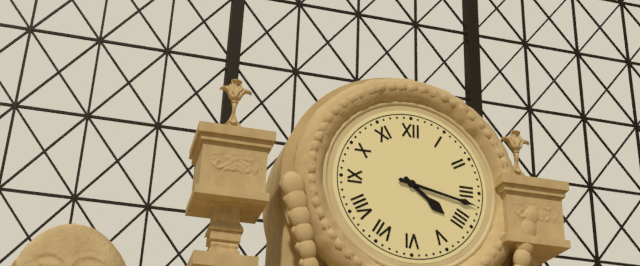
{"hour": 4, "minute": 17}
